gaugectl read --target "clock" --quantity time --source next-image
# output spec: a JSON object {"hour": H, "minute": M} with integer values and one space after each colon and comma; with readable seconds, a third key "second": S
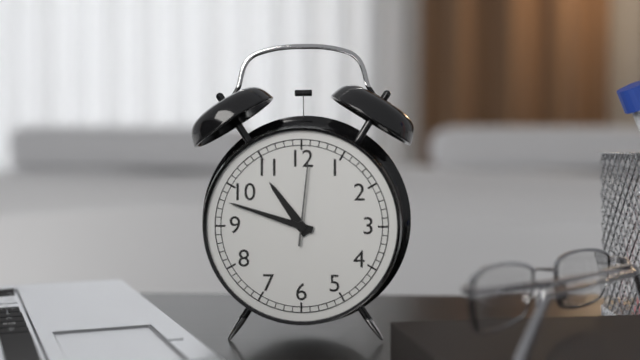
{"hour": 10, "minute": 48, "second": 1}
